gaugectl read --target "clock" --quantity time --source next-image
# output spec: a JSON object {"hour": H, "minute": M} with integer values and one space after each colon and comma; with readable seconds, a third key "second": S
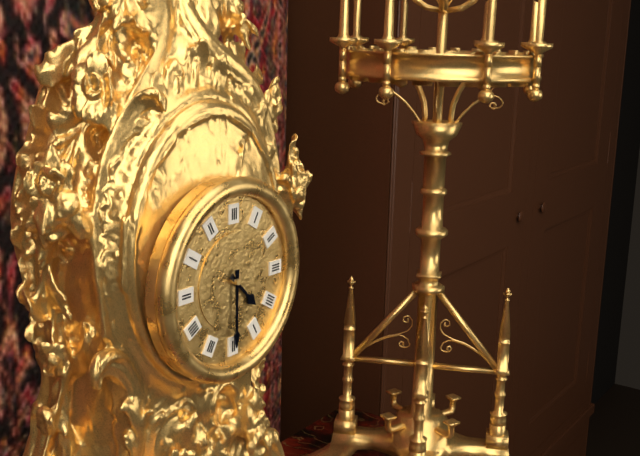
{"hour": 4, "minute": 30}
